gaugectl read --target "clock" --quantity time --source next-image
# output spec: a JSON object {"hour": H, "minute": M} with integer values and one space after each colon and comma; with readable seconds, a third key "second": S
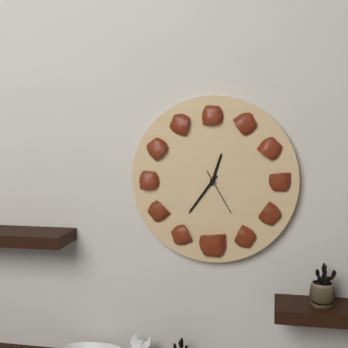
{"hour": 12, "minute": 36}
